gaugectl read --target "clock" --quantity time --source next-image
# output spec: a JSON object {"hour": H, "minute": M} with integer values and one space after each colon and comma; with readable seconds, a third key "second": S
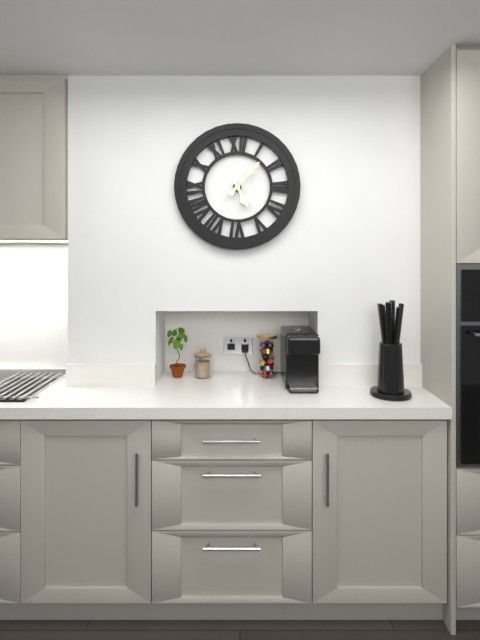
{"hour": 5, "minute": 7}
